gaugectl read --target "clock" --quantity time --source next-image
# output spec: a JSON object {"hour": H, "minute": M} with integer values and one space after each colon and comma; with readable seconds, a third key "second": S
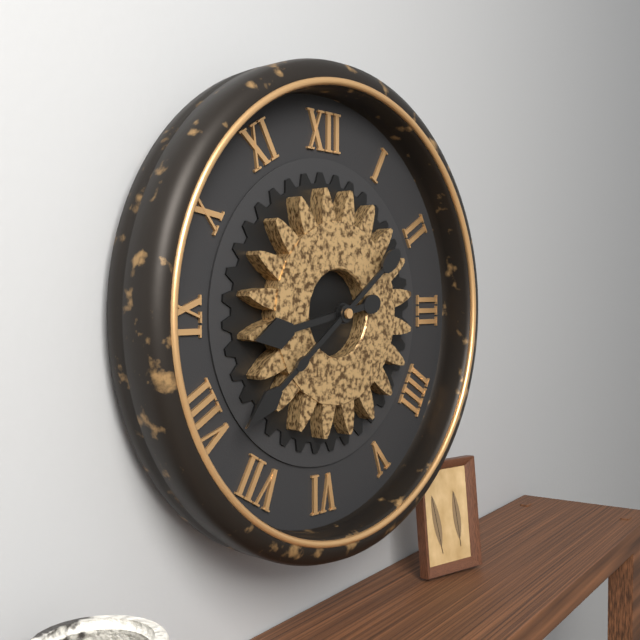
{"hour": 8, "minute": 39}
